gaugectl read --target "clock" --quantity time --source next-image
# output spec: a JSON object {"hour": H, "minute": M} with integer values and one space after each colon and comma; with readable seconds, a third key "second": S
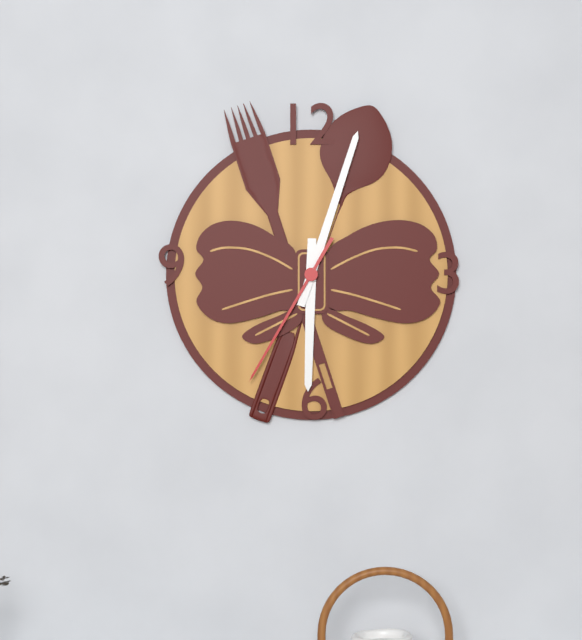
{"hour": 6, "minute": 3, "second": 35}
